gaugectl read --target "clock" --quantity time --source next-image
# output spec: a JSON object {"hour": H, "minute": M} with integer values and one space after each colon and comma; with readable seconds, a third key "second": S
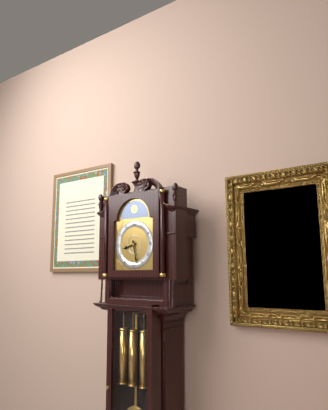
{"hour": 8, "minute": 28}
